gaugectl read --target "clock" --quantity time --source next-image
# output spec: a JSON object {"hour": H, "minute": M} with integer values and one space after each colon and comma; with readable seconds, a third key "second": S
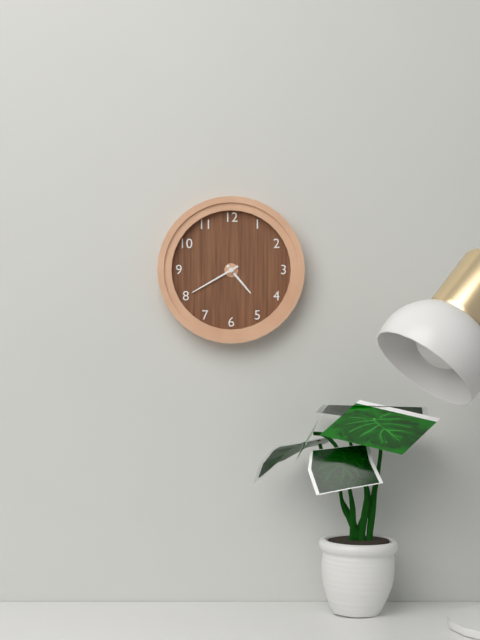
{"hour": 4, "minute": 40}
